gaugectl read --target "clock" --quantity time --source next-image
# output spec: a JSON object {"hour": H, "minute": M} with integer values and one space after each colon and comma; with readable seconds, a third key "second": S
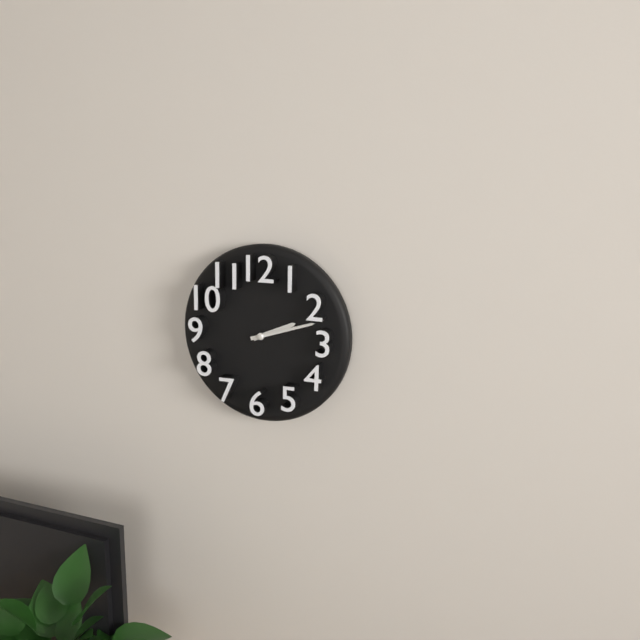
{"hour": 2, "minute": 12}
